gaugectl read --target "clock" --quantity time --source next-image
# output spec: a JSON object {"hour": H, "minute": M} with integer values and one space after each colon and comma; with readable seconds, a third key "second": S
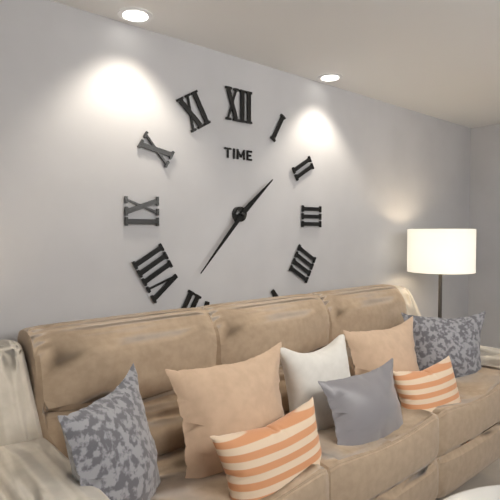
{"hour": 1, "minute": 37}
